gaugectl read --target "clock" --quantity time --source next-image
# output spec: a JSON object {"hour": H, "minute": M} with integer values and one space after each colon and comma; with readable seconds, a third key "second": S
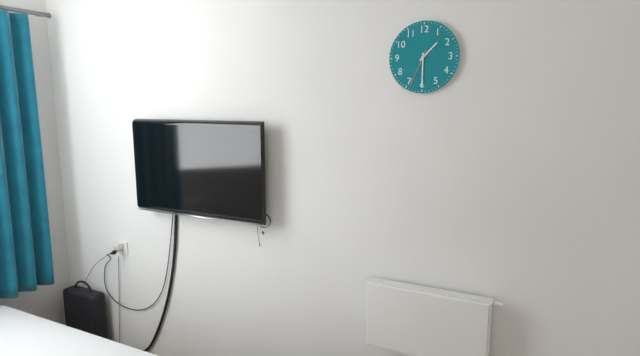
{"hour": 1, "minute": 30}
